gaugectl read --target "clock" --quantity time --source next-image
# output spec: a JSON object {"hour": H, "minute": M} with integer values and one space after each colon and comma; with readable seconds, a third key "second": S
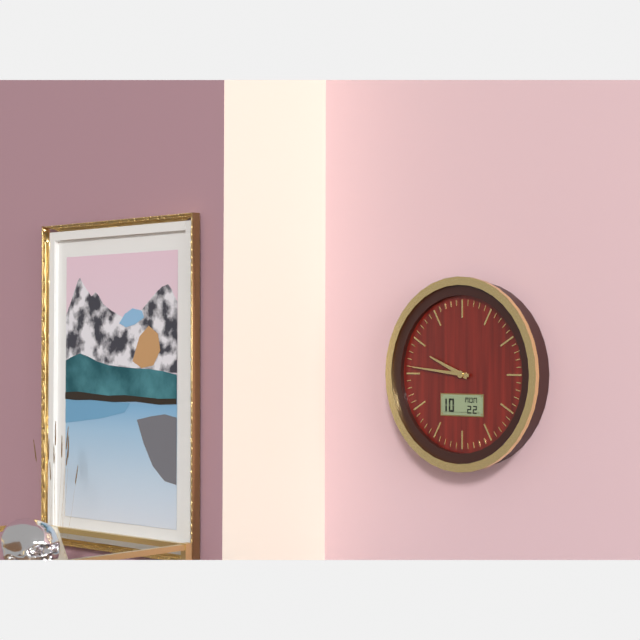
{"hour": 9, "minute": 46}
